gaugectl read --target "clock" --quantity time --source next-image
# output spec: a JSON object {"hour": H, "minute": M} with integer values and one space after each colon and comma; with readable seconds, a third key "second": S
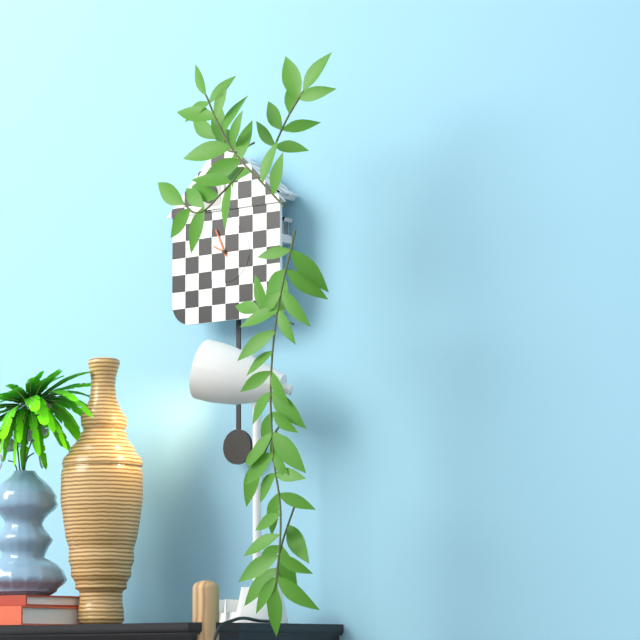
{"hour": 9, "minute": 56}
